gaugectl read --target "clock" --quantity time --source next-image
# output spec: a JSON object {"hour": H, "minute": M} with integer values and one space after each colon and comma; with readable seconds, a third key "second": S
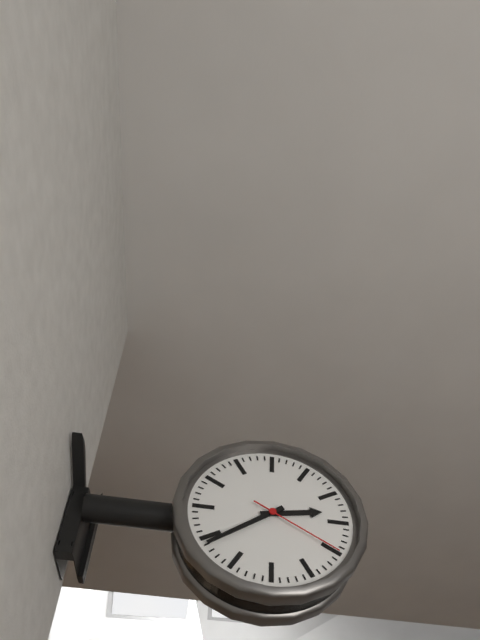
{"hour": 2, "minute": 39, "second": 20}
